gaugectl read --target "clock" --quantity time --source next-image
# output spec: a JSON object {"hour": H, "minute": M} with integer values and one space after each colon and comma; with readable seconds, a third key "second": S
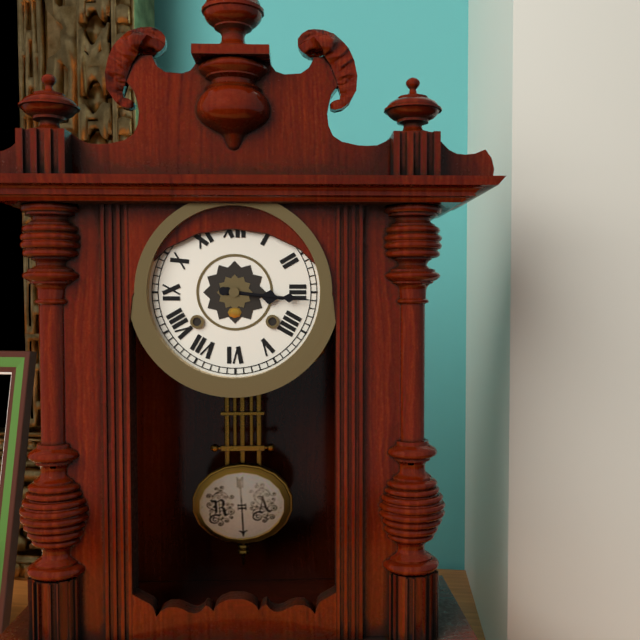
{"hour": 3, "minute": 16}
